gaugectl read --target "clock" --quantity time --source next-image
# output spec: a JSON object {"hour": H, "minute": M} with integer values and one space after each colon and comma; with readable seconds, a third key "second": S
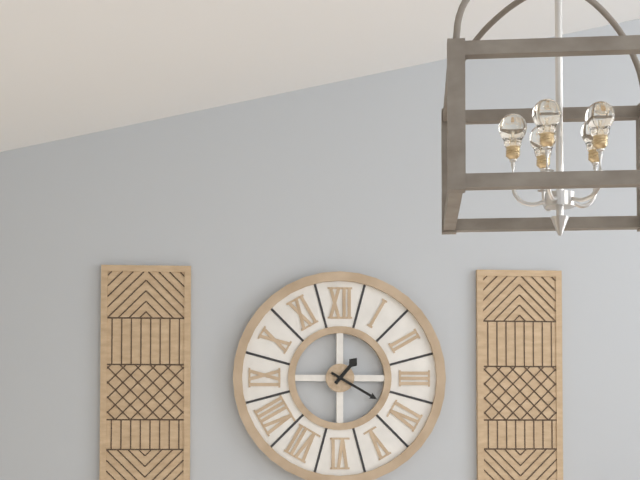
{"hour": 1, "minute": 20}
